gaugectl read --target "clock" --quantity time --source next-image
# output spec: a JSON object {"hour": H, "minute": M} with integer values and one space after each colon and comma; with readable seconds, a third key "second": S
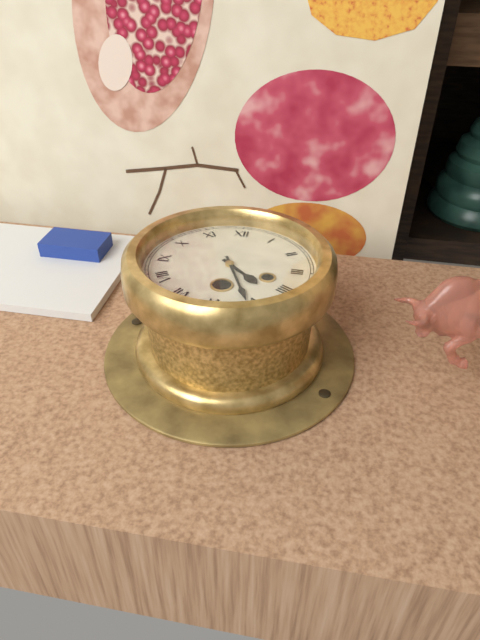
{"hour": 4, "minute": 26}
